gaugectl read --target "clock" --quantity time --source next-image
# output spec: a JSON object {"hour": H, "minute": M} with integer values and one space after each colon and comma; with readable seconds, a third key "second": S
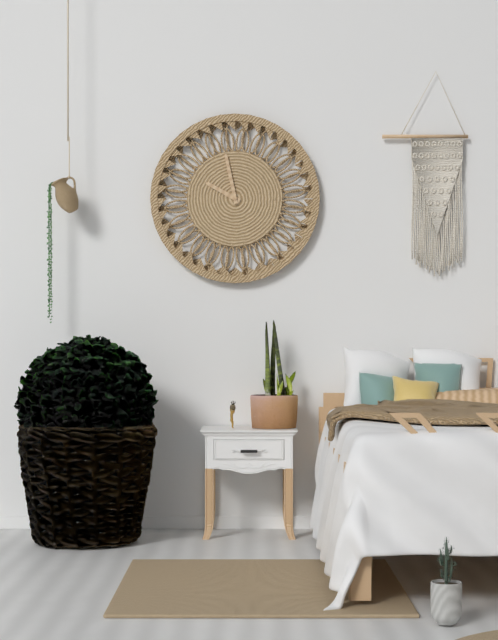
{"hour": 9, "minute": 58}
